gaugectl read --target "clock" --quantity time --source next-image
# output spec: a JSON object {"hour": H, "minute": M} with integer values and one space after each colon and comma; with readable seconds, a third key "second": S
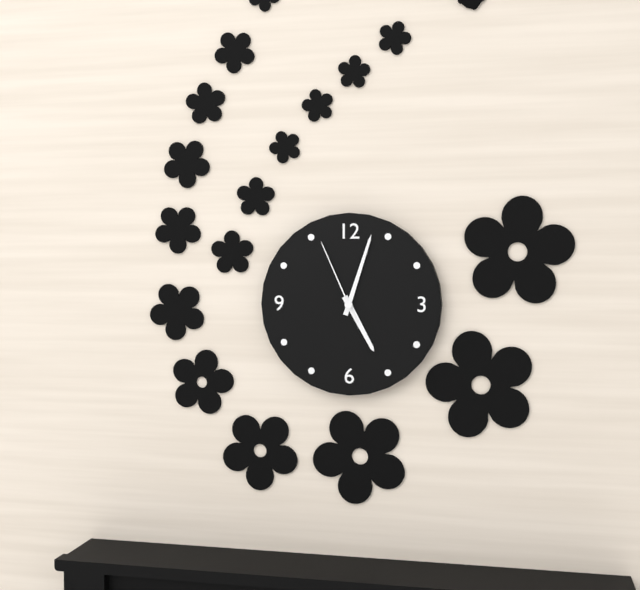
{"hour": 5, "minute": 3, "second": 56}
